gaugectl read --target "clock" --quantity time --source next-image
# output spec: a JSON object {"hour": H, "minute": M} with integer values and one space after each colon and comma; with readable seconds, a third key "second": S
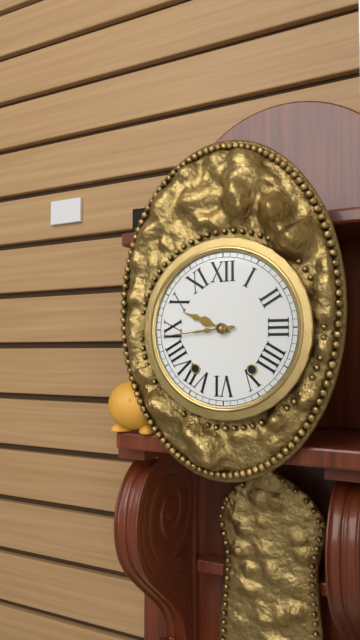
{"hour": 9, "minute": 44}
